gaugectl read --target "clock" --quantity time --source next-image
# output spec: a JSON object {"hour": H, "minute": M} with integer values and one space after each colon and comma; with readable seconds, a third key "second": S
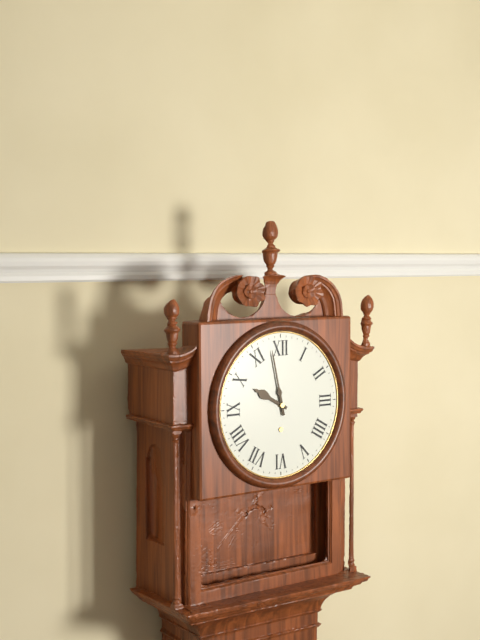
{"hour": 9, "minute": 58}
